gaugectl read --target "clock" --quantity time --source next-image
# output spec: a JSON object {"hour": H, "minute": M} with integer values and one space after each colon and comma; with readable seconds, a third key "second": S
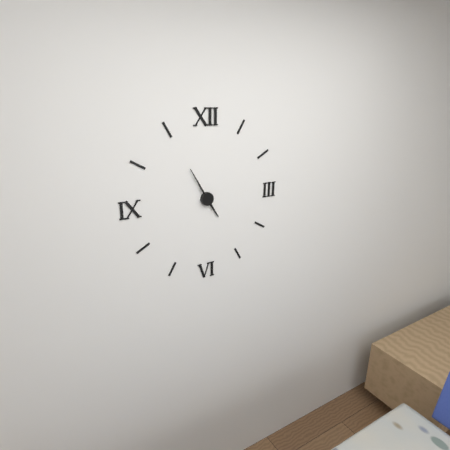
{"hour": 4, "minute": 55}
